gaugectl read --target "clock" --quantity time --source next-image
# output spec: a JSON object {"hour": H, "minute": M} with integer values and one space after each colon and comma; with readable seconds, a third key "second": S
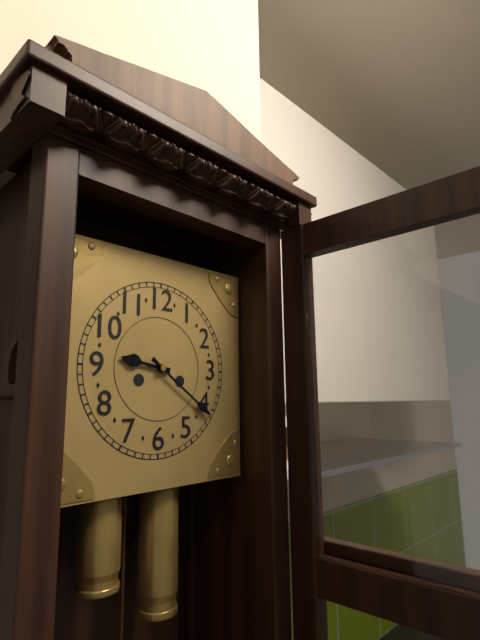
{"hour": 9, "minute": 21}
